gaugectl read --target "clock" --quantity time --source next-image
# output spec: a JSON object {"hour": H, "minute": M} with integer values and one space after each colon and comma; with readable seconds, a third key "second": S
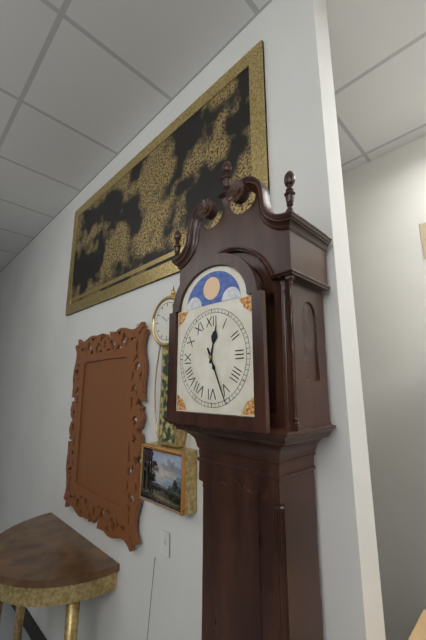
{"hour": 12, "minute": 26}
